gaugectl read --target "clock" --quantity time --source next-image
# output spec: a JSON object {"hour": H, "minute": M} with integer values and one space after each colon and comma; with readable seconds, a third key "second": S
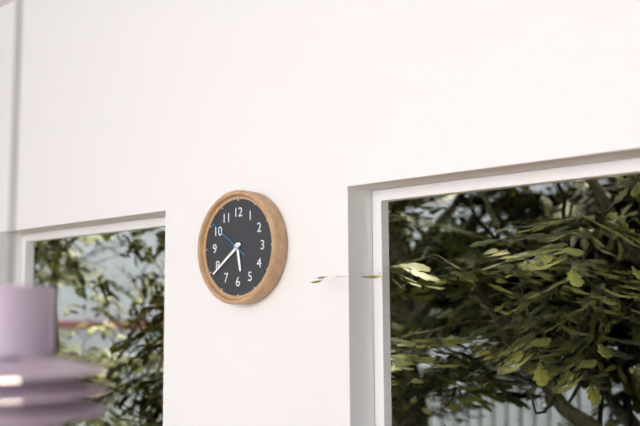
{"hour": 5, "minute": 39}
